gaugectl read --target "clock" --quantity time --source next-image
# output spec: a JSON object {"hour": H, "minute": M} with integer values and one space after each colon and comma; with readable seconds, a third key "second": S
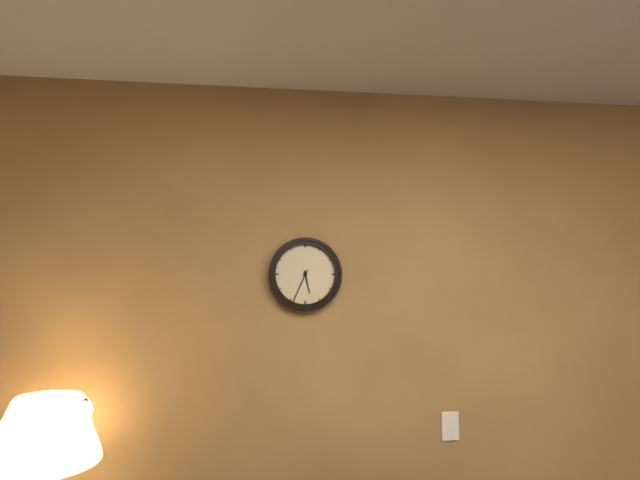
{"hour": 5, "minute": 34}
